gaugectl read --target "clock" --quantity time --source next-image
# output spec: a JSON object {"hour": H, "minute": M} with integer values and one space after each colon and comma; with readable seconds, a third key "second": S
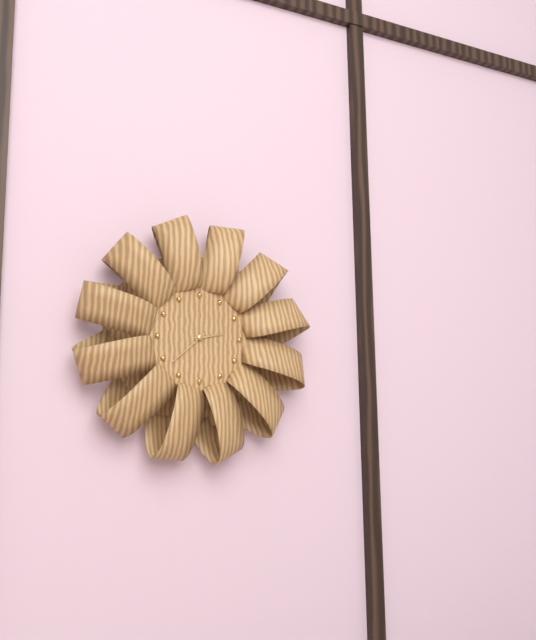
{"hour": 2, "minute": 38}
